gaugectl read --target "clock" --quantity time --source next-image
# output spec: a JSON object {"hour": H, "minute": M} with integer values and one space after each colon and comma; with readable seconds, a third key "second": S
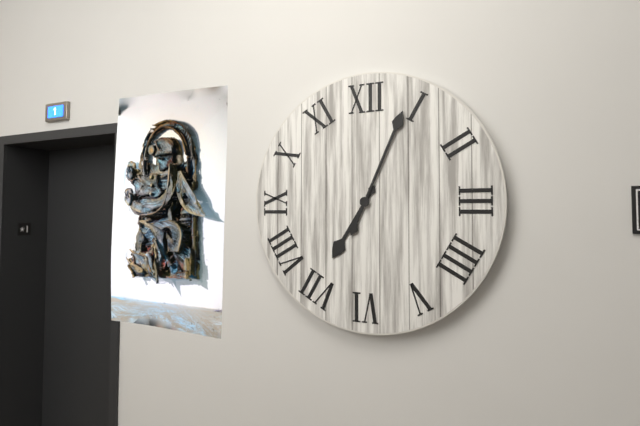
{"hour": 7, "minute": 4}
